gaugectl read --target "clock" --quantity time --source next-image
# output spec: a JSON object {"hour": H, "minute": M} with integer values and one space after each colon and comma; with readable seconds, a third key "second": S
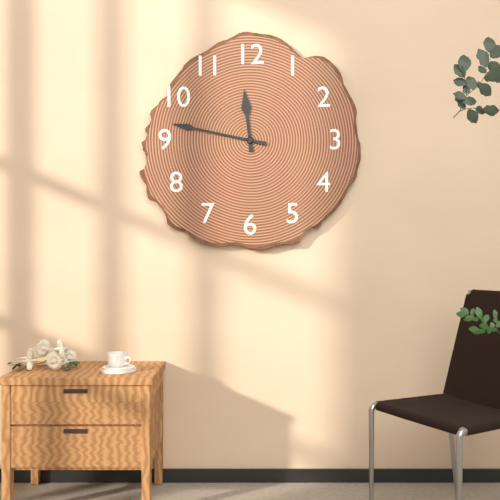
{"hour": 11, "minute": 47}
